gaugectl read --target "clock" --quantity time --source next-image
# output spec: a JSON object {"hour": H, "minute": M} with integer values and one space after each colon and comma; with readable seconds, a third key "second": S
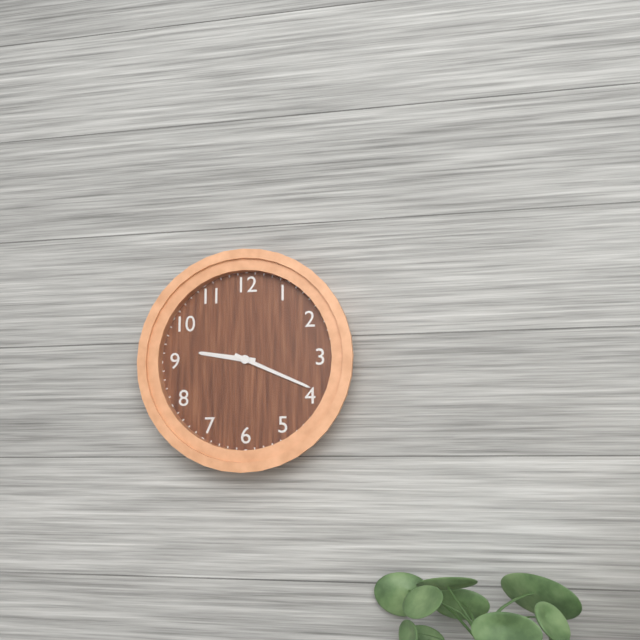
{"hour": 9, "minute": 19}
